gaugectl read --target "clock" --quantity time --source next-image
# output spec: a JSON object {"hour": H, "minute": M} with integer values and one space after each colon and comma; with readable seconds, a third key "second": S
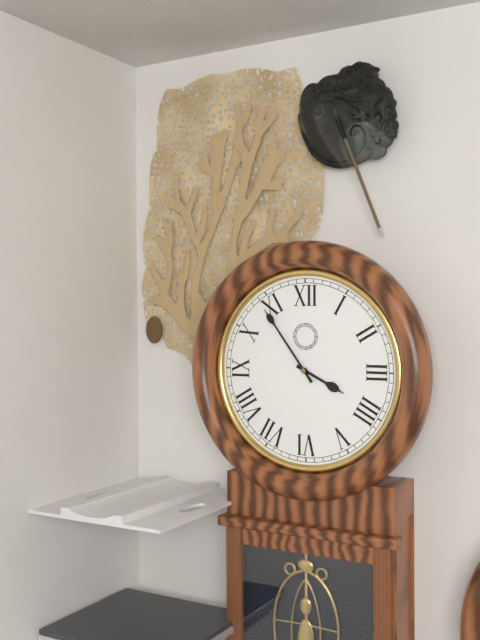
{"hour": 3, "minute": 54}
